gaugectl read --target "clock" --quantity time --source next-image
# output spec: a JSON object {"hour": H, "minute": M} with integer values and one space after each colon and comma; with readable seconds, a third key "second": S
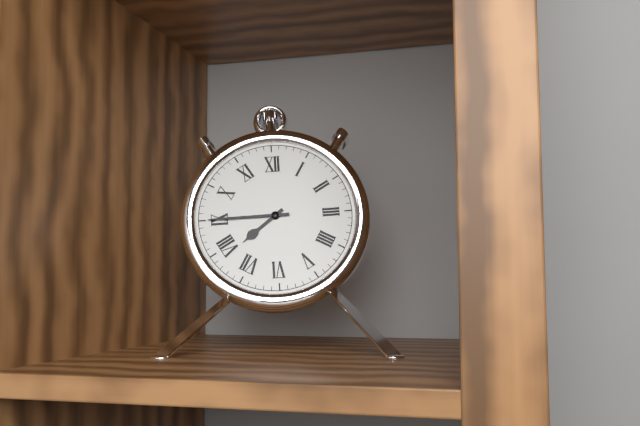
{"hour": 7, "minute": 45}
